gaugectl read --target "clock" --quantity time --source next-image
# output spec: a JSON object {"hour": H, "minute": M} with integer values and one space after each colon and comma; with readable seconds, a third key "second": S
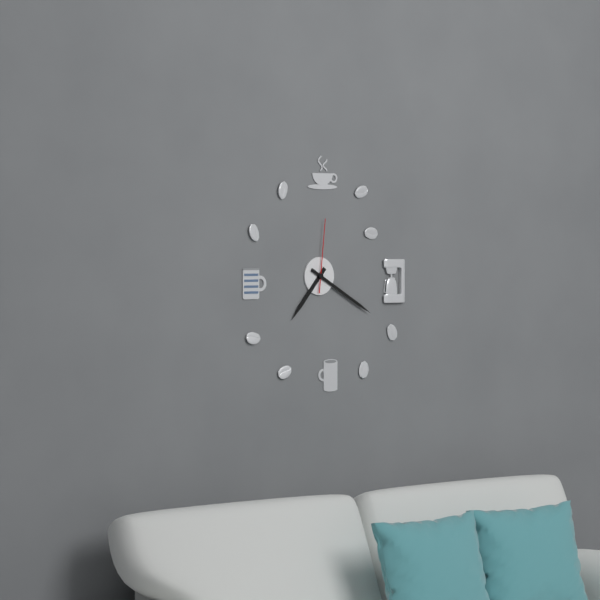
{"hour": 7, "minute": 20, "second": 1}
